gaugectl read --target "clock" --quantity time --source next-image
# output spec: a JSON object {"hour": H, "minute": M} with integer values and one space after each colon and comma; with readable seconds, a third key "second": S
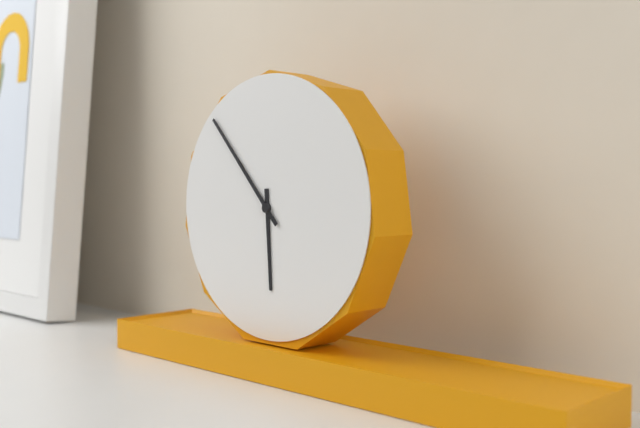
{"hour": 5, "minute": 53}
